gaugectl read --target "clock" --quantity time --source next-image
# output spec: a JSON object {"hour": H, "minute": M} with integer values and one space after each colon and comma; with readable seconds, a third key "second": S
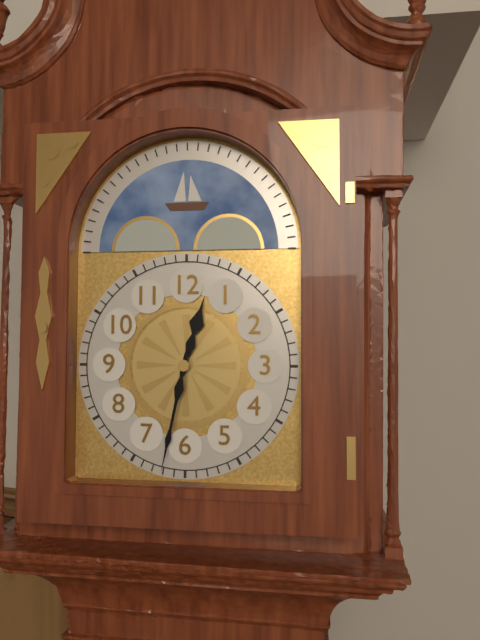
{"hour": 12, "minute": 32}
